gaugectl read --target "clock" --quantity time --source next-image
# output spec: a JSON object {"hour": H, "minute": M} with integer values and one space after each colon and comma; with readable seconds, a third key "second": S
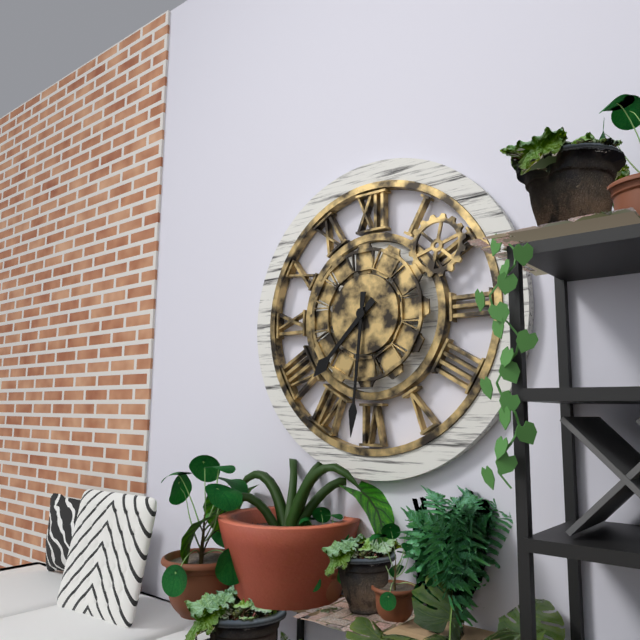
{"hour": 7, "minute": 31}
